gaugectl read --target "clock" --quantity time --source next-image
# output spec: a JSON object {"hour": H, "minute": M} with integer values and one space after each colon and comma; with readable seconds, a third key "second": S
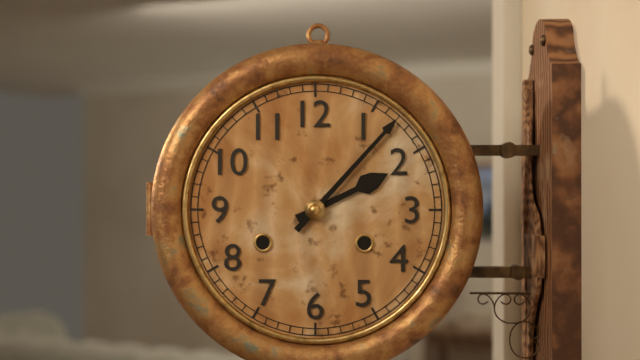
{"hour": 2, "minute": 7}
